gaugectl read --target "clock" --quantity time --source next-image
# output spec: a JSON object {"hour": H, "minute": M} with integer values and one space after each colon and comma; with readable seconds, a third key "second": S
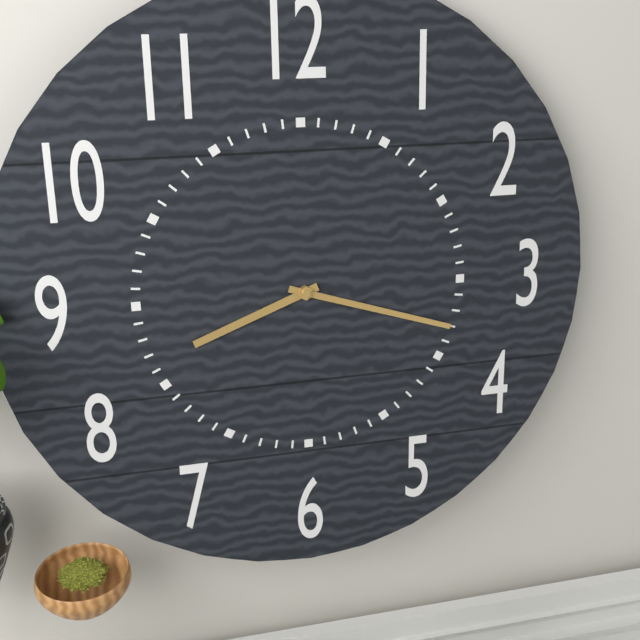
{"hour": 8, "minute": 18}
